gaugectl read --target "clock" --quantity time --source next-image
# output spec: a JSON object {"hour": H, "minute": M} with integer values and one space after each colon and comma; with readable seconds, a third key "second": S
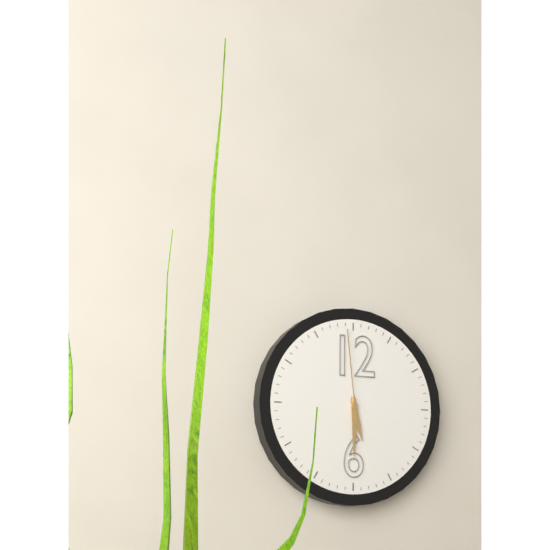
{"hour": 5, "minute": 30, "second": 59}
